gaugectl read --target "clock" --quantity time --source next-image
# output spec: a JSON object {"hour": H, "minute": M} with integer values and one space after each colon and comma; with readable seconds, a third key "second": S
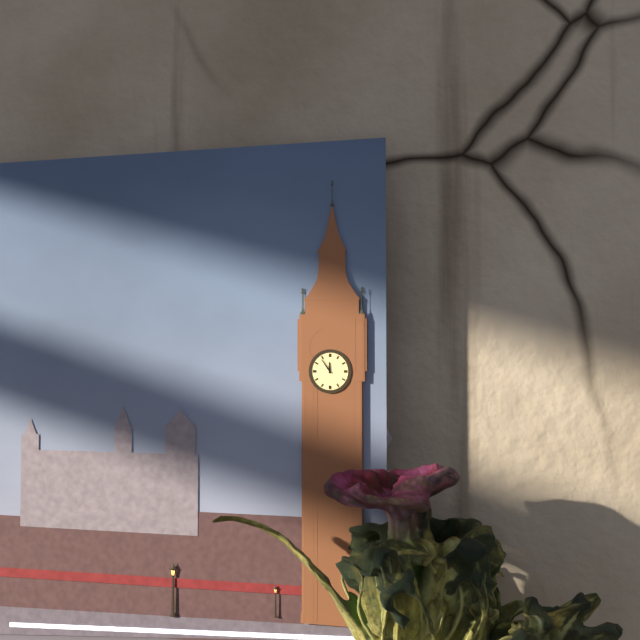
{"hour": 11, "minute": 54}
